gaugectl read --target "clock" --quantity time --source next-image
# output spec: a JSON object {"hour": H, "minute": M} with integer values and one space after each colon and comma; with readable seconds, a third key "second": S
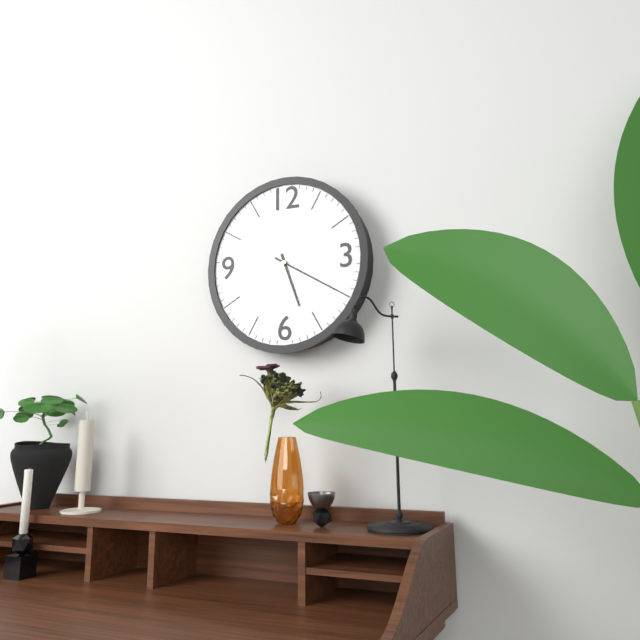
{"hour": 5, "minute": 20}
